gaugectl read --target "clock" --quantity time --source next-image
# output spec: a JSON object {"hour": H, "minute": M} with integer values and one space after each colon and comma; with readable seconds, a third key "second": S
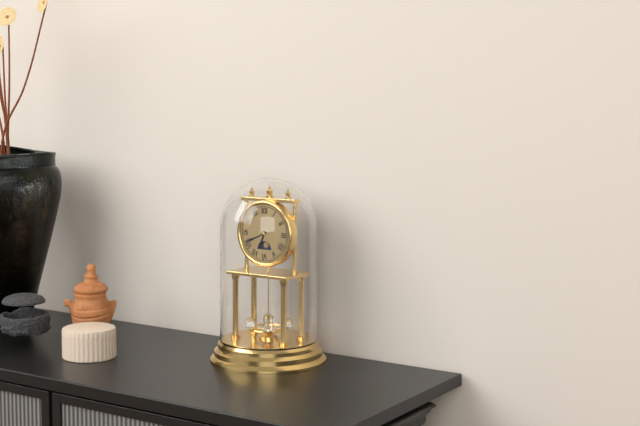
{"hour": 6, "minute": 41}
